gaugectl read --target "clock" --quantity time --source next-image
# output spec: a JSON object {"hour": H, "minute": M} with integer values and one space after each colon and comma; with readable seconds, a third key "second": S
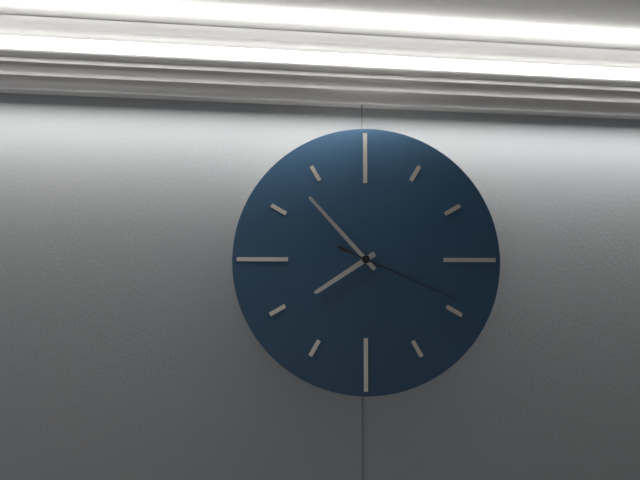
{"hour": 7, "minute": 53, "second": 19}
